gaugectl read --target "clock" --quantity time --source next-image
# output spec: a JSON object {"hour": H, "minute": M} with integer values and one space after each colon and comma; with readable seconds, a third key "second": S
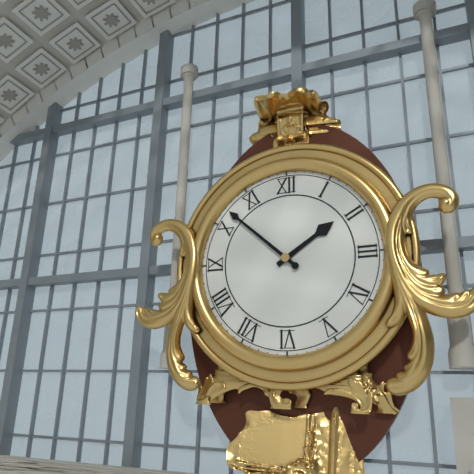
{"hour": 1, "minute": 52}
